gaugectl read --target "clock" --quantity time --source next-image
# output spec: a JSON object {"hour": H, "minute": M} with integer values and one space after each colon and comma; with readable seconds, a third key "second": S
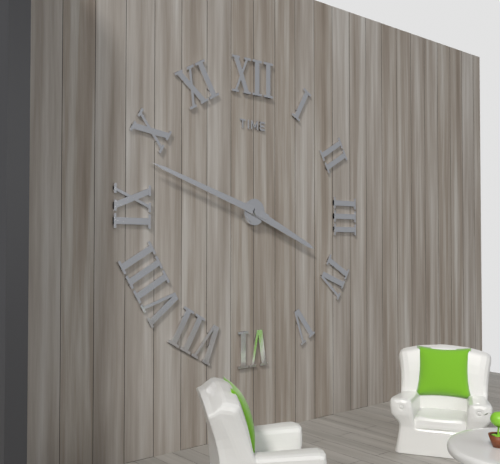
{"hour": 3, "minute": 48}
